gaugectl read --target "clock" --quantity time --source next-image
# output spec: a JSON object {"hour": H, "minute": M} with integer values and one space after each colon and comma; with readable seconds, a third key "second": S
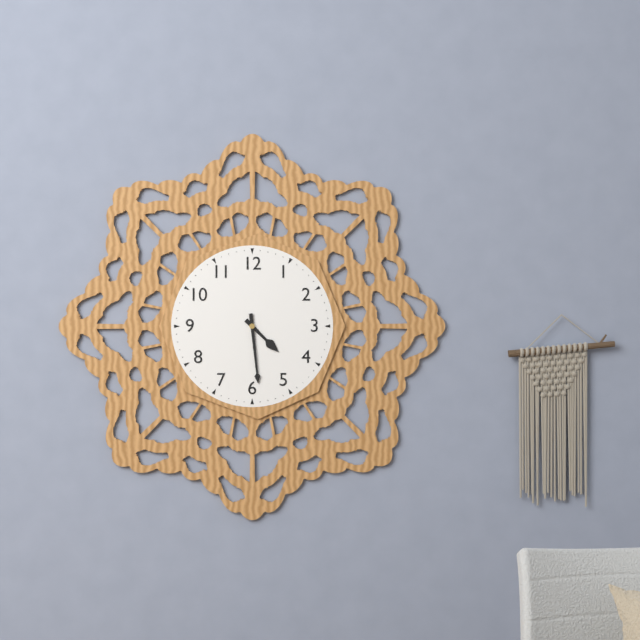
{"hour": 4, "minute": 29}
